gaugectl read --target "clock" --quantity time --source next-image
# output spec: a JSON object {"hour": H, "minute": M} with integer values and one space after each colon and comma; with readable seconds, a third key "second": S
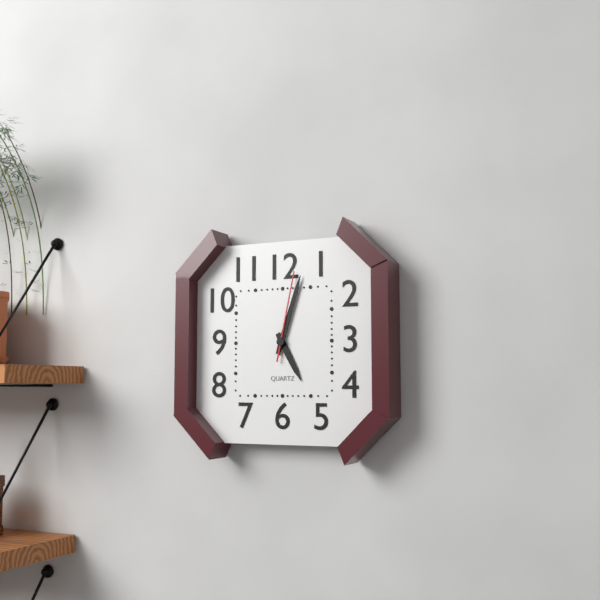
{"hour": 5, "minute": 3, "second": 2}
